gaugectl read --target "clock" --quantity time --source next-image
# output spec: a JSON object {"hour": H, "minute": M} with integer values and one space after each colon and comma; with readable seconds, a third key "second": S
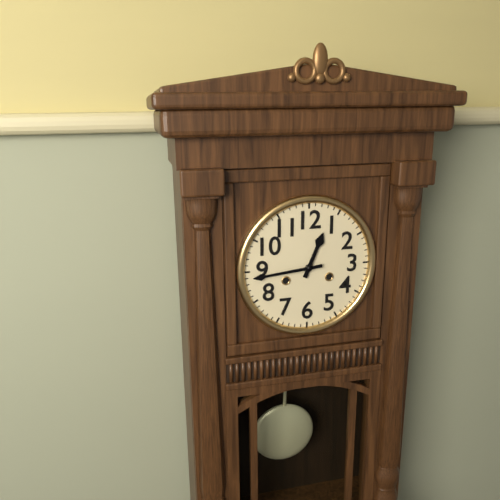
{"hour": 12, "minute": 44}
